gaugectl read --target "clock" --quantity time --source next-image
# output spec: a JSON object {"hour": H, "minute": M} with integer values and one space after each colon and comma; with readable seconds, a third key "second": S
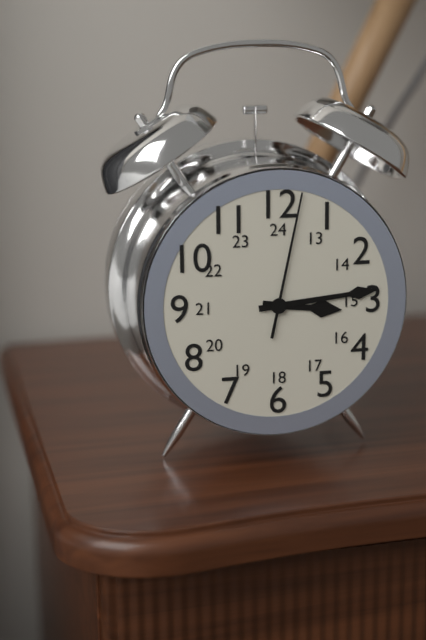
{"hour": 3, "minute": 14, "second": 2}
